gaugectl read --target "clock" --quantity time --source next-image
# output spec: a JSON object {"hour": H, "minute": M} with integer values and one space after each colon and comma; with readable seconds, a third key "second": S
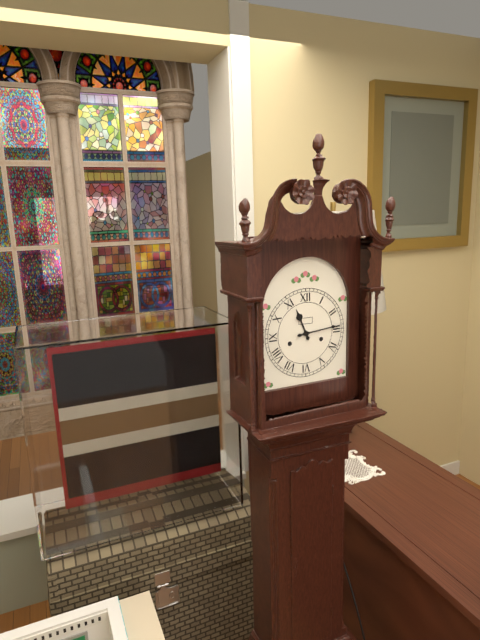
{"hour": 11, "minute": 14}
